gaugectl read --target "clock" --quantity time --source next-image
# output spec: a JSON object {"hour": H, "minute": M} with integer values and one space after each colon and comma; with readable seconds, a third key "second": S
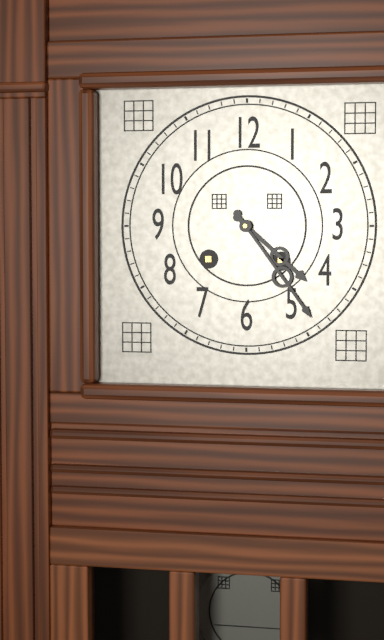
{"hour": 4, "minute": 24}
